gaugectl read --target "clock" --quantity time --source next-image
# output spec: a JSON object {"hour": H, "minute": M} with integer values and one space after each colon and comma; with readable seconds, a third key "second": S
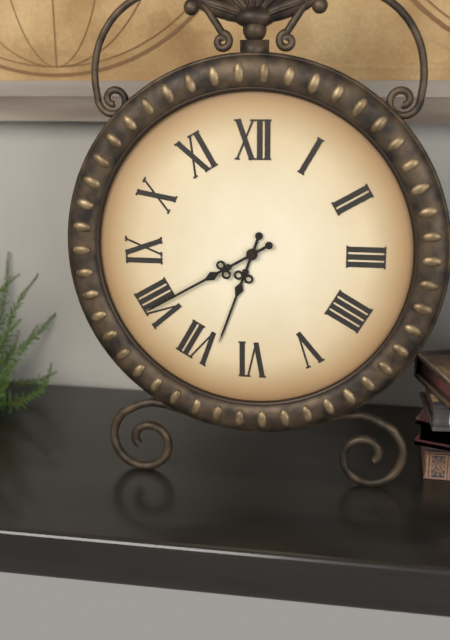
{"hour": 6, "minute": 40}
